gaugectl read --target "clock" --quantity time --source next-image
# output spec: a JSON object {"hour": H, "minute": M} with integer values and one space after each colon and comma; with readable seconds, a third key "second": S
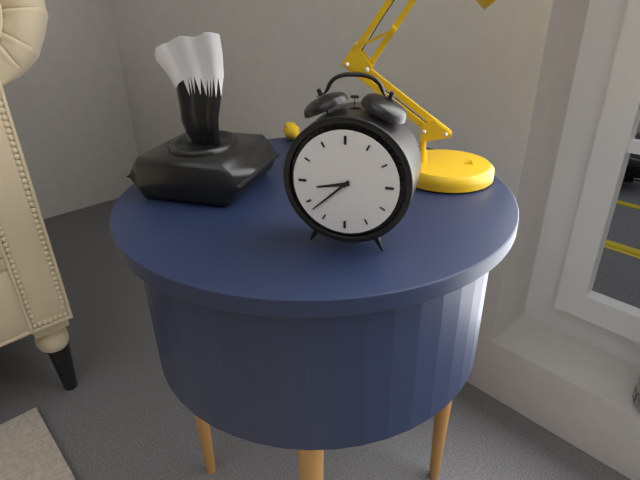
{"hour": 8, "minute": 38}
